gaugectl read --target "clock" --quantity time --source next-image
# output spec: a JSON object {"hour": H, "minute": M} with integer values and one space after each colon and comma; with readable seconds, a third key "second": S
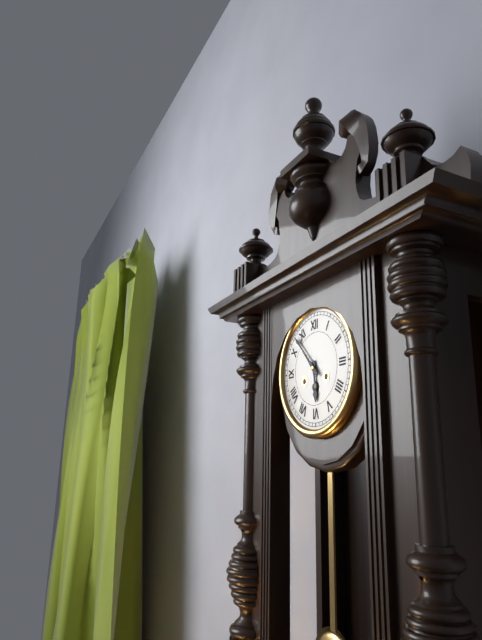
{"hour": 5, "minute": 53}
